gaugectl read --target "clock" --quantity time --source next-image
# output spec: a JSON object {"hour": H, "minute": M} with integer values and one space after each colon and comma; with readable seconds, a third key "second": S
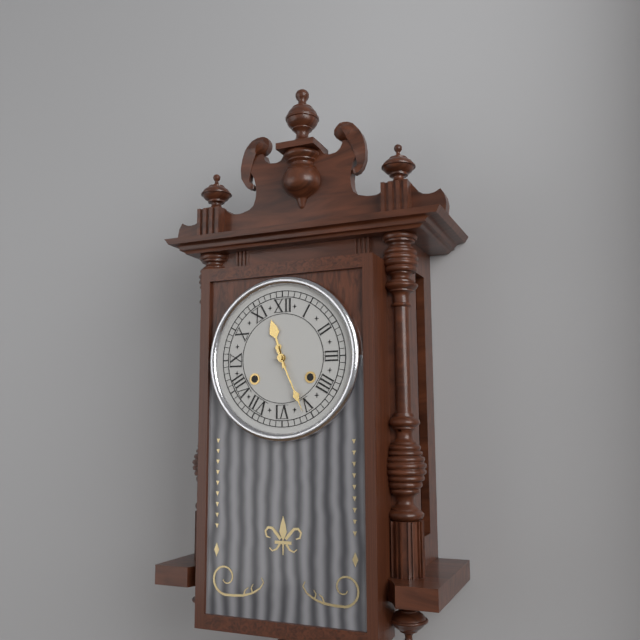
{"hour": 11, "minute": 26}
